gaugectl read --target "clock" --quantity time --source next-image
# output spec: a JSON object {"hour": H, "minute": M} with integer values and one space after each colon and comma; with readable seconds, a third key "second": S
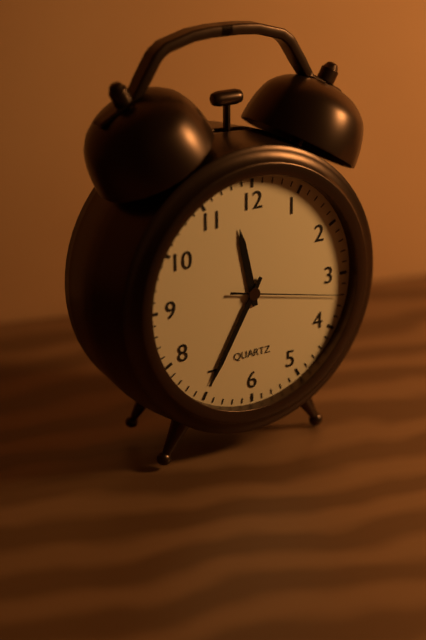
{"hour": 11, "minute": 35, "second": 17}
